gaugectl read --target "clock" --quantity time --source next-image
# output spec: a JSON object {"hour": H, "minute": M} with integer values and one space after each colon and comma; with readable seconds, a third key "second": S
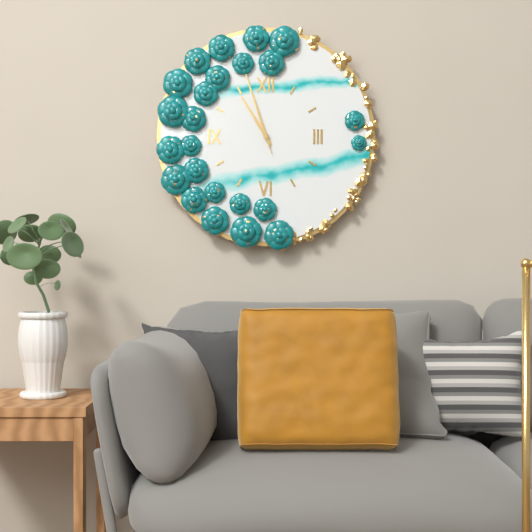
{"hour": 10, "minute": 57, "second": 57}
